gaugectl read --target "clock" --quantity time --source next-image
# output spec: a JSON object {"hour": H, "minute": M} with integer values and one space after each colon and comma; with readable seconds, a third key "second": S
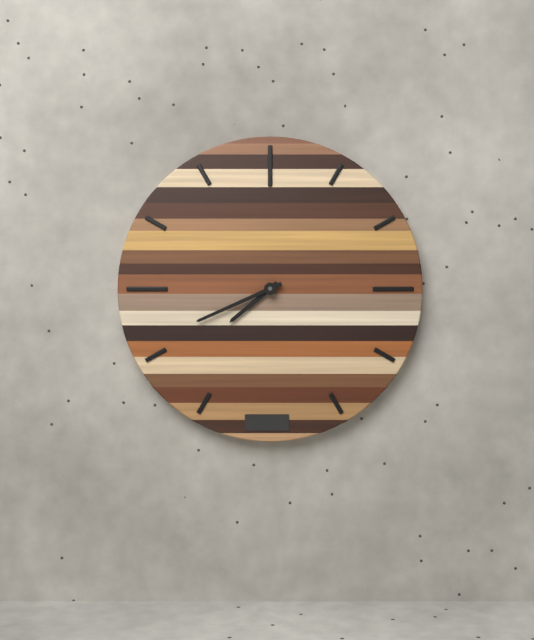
{"hour": 7, "minute": 41}
